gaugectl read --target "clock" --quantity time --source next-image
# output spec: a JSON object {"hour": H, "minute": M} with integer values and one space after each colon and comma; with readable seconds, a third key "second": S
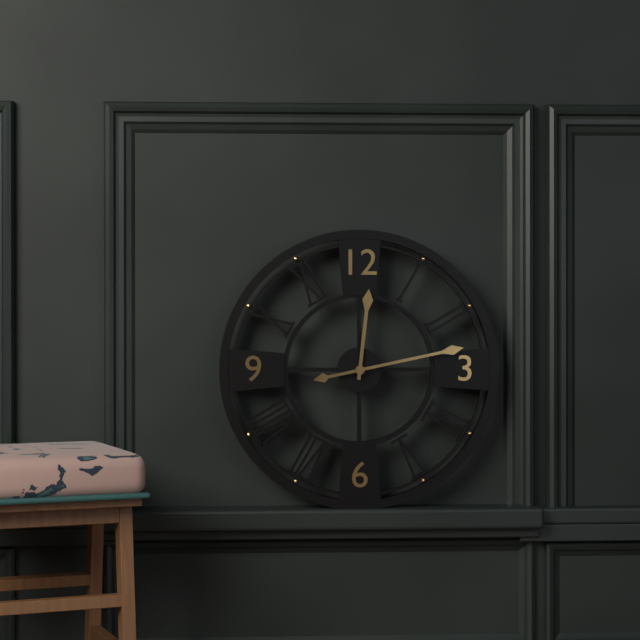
{"hour": 12, "minute": 13}
